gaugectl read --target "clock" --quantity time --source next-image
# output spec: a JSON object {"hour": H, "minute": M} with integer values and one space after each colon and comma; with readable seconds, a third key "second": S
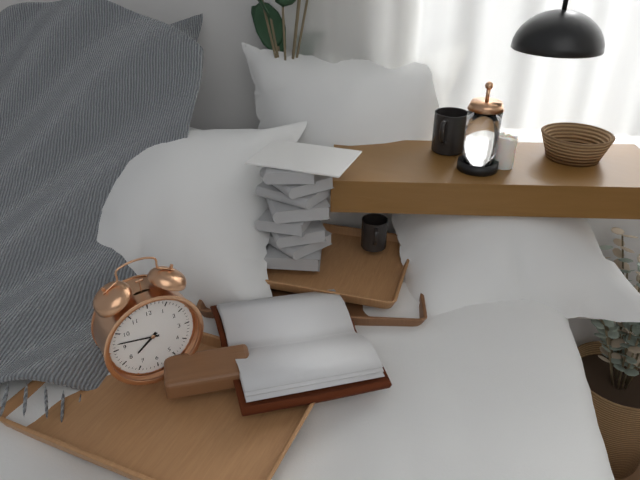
{"hour": 7, "minute": 47}
